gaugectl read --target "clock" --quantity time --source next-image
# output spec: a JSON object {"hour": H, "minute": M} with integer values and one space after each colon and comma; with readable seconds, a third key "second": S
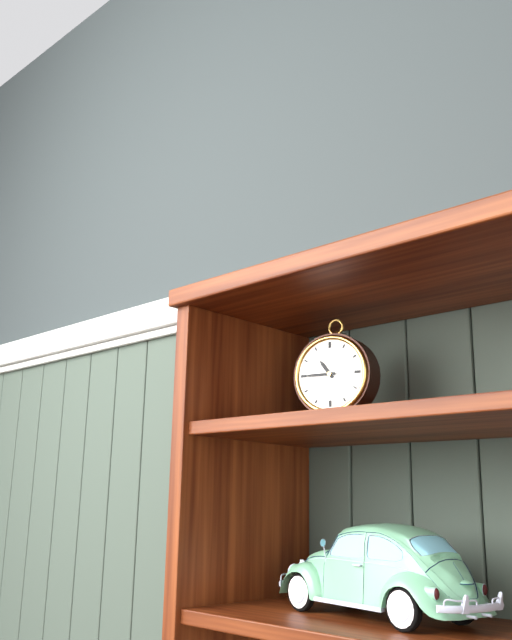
{"hour": 10, "minute": 45}
